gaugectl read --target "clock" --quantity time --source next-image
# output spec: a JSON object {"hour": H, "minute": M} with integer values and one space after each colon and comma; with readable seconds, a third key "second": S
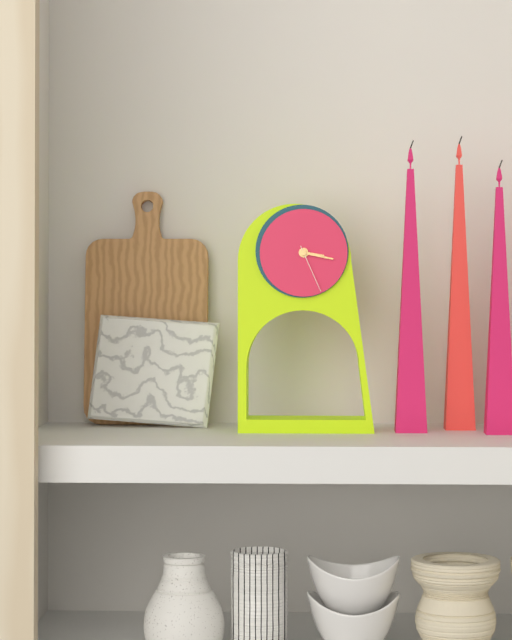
{"hour": 3, "minute": 17, "second": 26}
